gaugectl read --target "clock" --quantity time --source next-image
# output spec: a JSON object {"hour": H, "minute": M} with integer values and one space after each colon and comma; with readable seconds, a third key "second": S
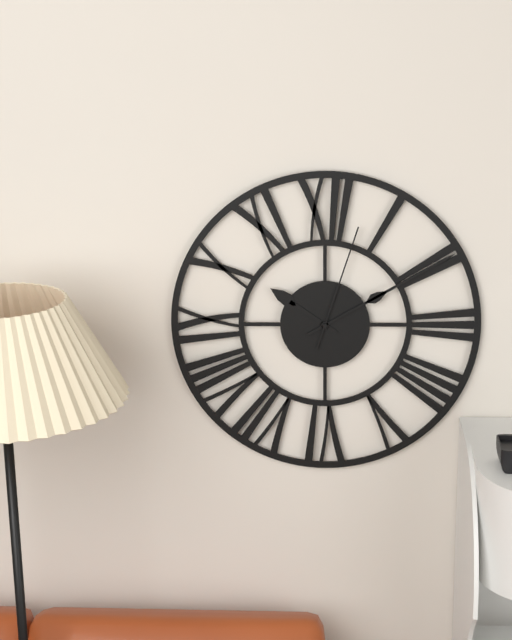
{"hour": 10, "minute": 10, "second": 3}
